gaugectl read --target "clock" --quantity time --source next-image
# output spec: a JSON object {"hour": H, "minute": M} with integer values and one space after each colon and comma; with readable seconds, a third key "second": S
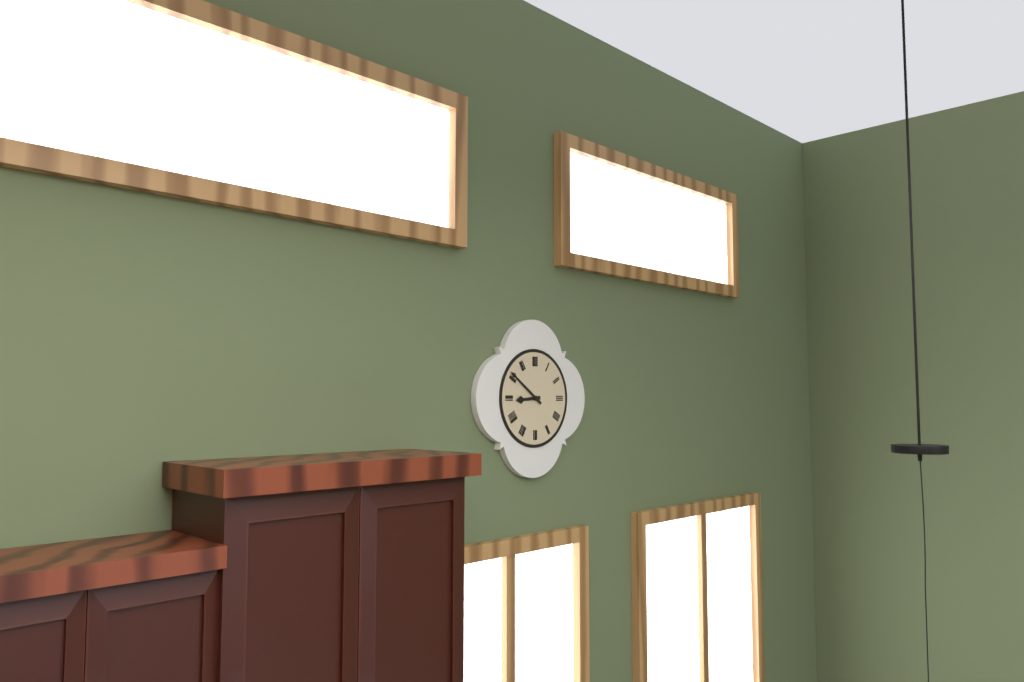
{"hour": 8, "minute": 51}
